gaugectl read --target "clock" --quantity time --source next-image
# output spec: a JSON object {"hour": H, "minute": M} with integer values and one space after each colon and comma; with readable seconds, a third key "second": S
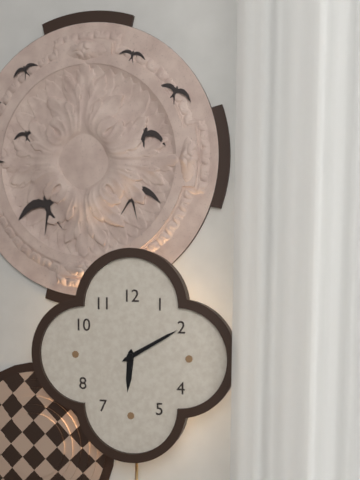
{"hour": 6, "minute": 10}
